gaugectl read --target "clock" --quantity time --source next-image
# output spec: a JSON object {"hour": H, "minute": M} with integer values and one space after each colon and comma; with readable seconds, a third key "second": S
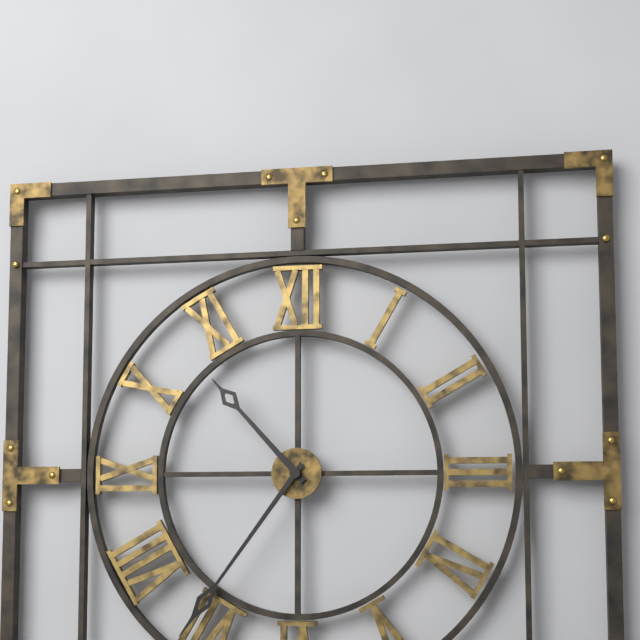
{"hour": 10, "minute": 36}
